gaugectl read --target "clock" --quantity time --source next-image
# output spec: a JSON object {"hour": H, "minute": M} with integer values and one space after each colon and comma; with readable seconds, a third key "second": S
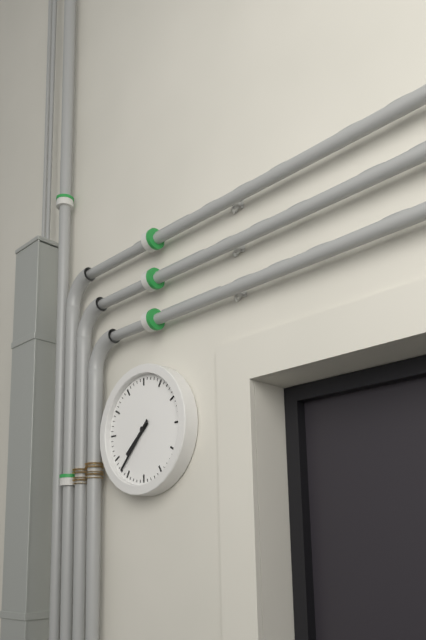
{"hour": 7, "minute": 37}
